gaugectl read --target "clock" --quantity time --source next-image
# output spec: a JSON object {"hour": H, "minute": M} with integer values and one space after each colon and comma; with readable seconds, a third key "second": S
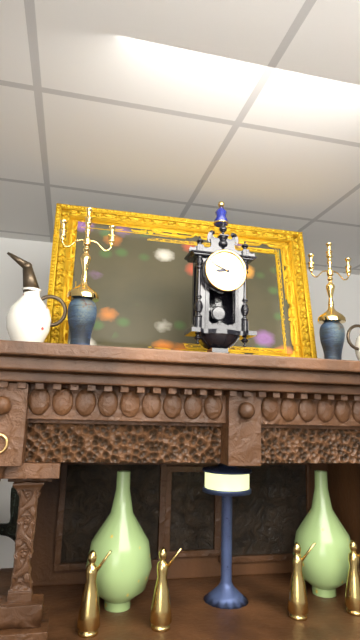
{"hour": 8, "minute": 49}
